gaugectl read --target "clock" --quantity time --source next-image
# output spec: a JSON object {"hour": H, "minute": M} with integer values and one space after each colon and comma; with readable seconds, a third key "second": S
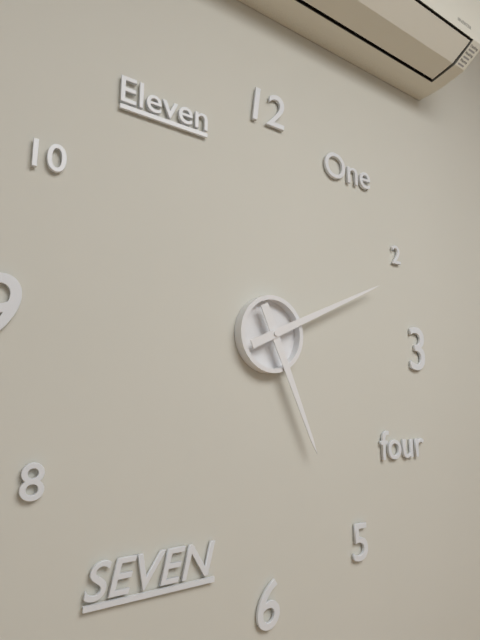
{"hour": 5, "minute": 11}
